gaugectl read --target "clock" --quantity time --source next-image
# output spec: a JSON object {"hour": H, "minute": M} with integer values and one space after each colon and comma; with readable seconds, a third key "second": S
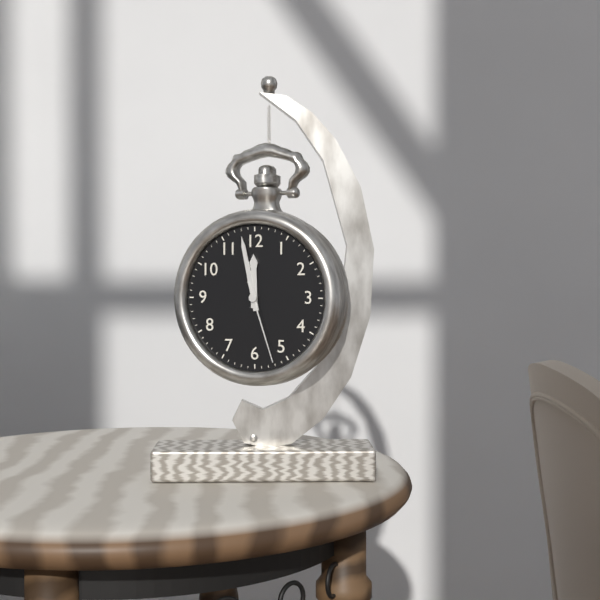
{"hour": 11, "minute": 58, "second": 27}
